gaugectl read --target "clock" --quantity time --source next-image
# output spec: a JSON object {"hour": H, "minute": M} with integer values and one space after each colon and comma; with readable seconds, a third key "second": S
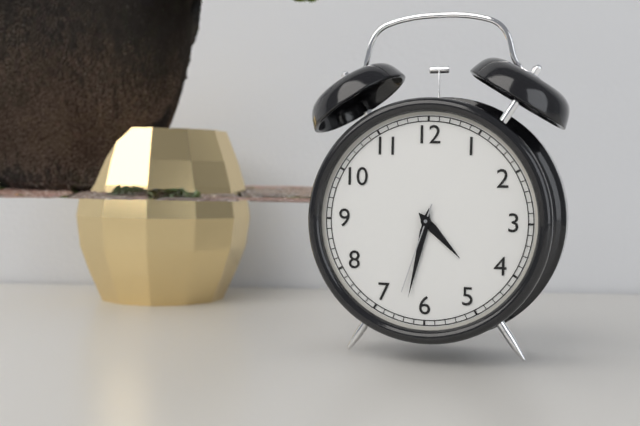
{"hour": 4, "minute": 32, "second": 33}
